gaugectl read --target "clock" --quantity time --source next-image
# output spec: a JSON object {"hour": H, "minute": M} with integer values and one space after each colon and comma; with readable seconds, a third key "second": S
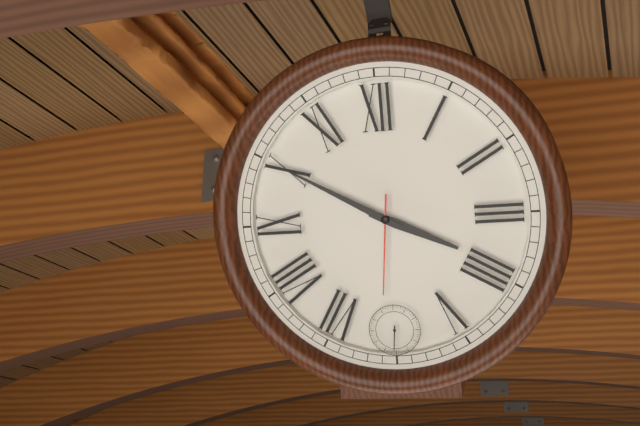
{"hour": 3, "minute": 50, "second": 31}
